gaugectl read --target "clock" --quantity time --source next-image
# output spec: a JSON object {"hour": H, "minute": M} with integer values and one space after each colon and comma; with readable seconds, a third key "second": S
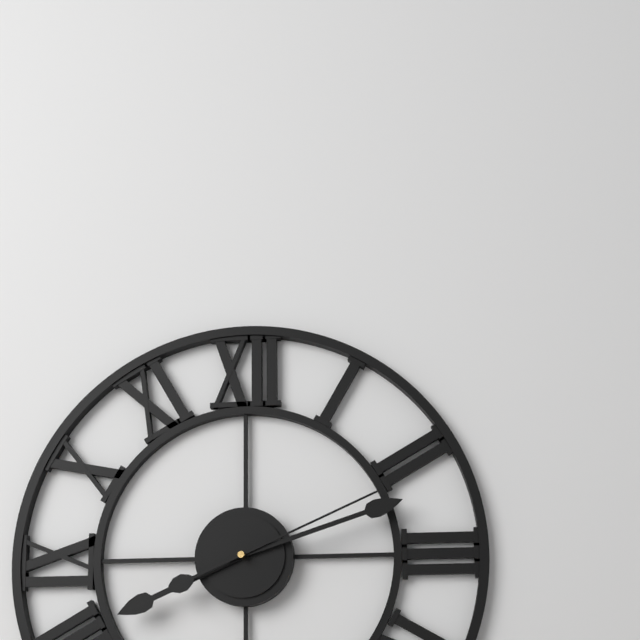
{"hour": 8, "minute": 12, "second": 11}
